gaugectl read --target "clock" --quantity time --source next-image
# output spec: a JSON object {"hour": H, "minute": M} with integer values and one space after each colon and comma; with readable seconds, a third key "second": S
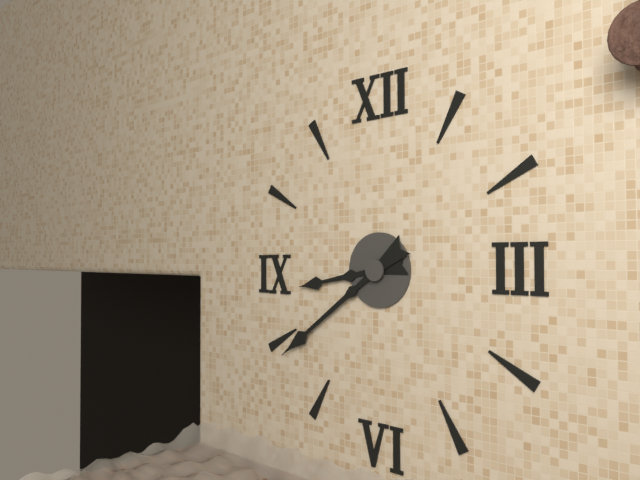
{"hour": 8, "minute": 39}
